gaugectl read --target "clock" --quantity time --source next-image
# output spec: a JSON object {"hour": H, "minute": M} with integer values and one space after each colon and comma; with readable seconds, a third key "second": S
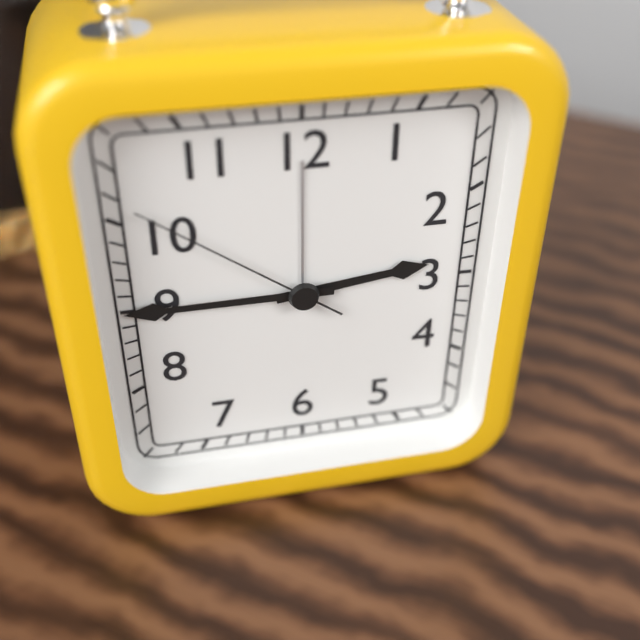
{"hour": 2, "minute": 45, "second": 51}
